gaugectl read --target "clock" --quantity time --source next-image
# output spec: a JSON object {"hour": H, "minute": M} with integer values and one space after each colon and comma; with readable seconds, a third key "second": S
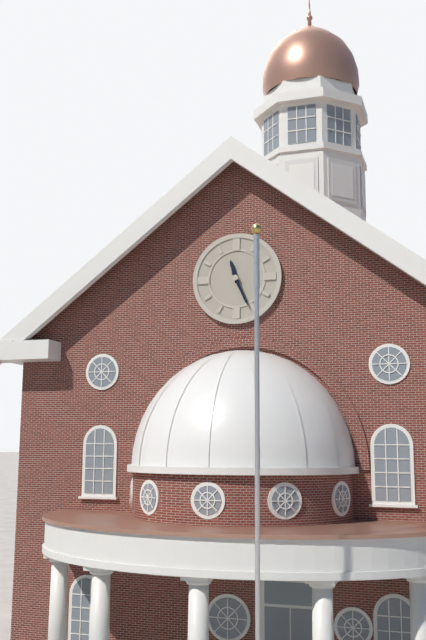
{"hour": 11, "minute": 26}
